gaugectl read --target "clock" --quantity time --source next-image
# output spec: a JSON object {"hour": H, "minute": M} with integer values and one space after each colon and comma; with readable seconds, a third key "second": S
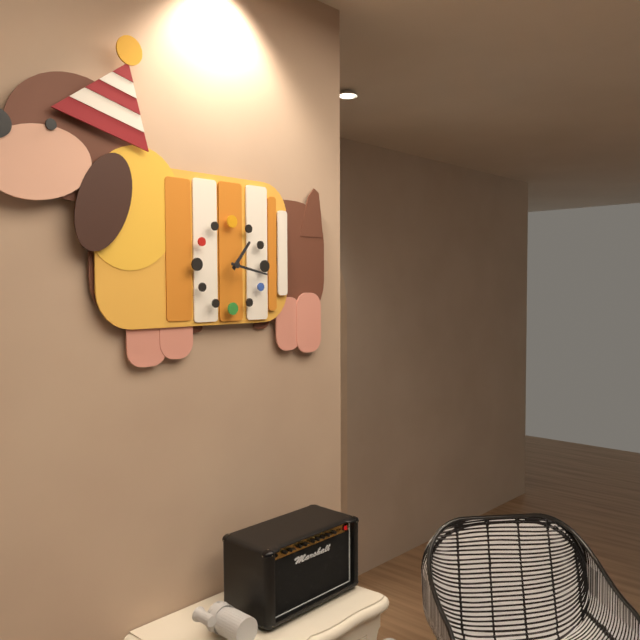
{"hour": 1, "minute": 17}
